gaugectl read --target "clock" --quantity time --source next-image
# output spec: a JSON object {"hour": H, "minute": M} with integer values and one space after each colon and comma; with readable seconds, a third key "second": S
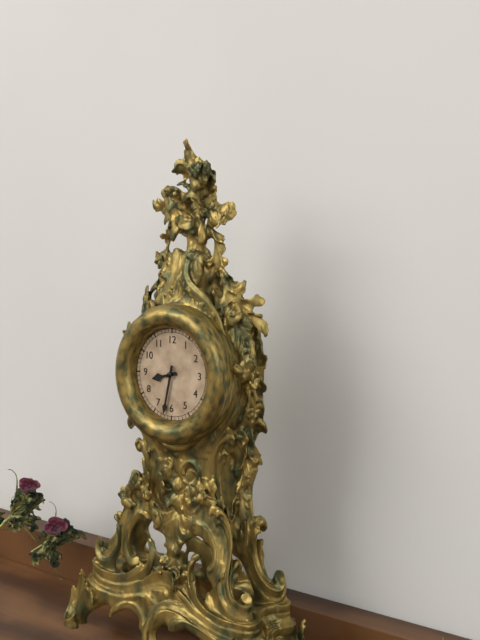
{"hour": 8, "minute": 32}
